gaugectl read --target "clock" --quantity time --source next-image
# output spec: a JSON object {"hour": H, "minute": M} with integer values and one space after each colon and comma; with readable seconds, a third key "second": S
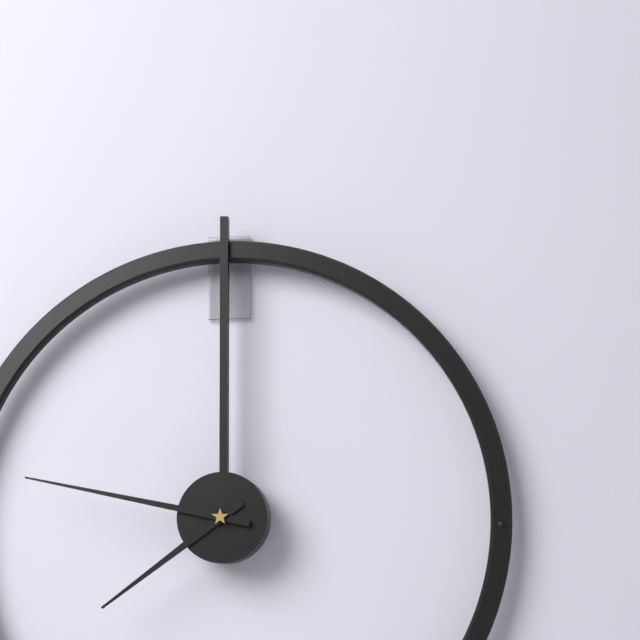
{"hour": 7, "minute": 47}
